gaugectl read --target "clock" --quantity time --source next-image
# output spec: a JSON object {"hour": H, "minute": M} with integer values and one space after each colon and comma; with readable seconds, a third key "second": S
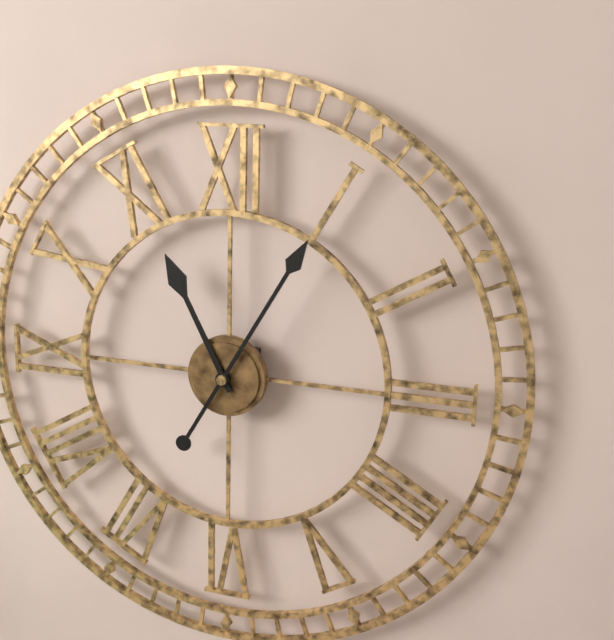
{"hour": 11, "minute": 5}
